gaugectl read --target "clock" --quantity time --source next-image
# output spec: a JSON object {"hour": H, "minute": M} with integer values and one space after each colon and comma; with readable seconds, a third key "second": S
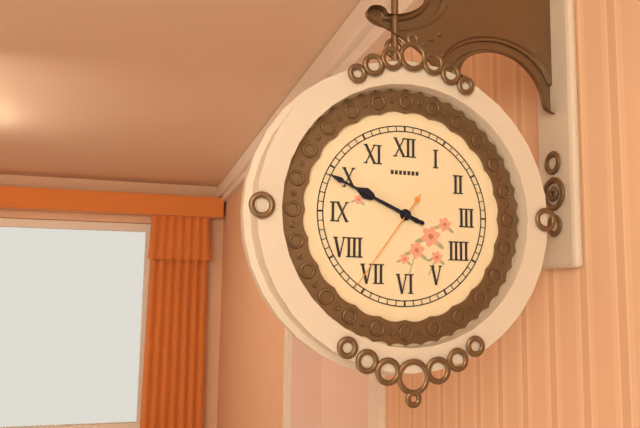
{"hour": 9, "minute": 49, "second": 36}
